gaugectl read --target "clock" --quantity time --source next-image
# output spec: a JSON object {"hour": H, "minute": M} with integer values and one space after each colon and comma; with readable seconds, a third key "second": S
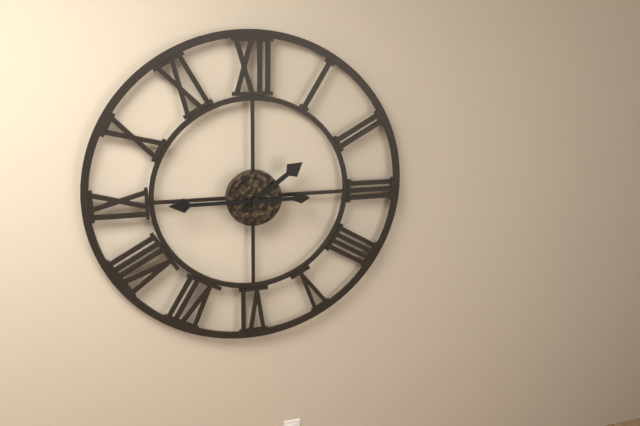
{"hour": 1, "minute": 45}
